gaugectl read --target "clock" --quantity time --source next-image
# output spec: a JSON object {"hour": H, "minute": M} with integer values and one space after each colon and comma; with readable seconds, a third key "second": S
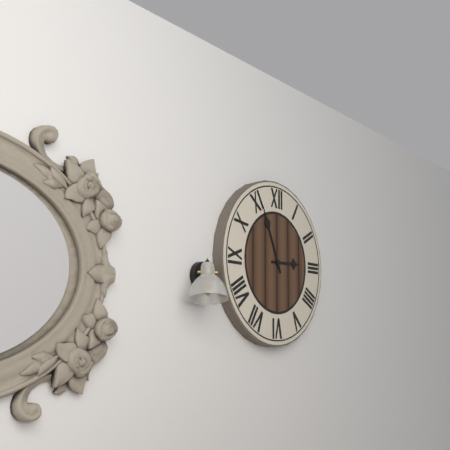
{"hour": 2, "minute": 56}
